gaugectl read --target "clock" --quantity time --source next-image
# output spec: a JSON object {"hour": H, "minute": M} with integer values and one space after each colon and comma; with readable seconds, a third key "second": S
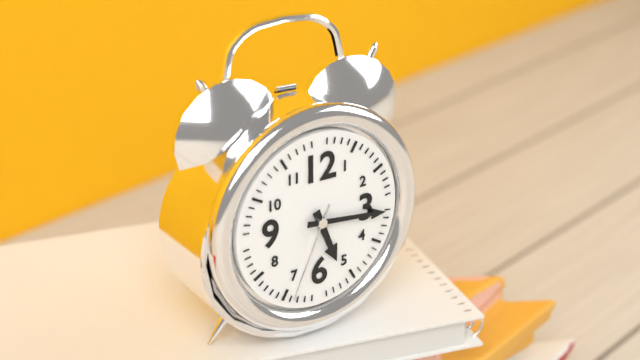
{"hour": 5, "minute": 16, "second": 34}
